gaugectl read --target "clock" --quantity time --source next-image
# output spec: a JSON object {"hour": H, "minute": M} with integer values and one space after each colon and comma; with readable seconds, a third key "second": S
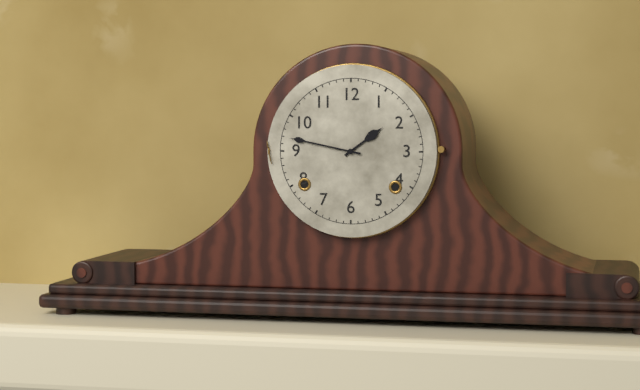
{"hour": 1, "minute": 47}
